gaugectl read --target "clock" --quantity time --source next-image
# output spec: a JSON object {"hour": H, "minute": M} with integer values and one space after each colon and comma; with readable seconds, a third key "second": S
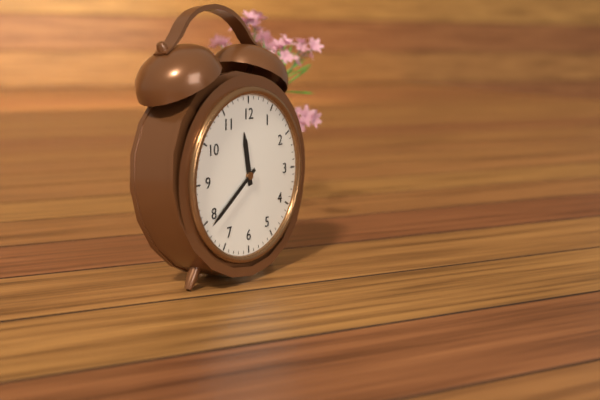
{"hour": 11, "minute": 39}
